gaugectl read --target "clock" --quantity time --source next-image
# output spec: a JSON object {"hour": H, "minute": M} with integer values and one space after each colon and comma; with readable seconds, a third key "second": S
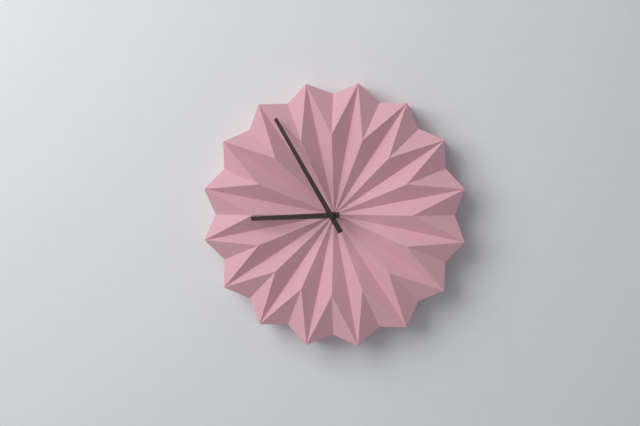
{"hour": 8, "minute": 55}
